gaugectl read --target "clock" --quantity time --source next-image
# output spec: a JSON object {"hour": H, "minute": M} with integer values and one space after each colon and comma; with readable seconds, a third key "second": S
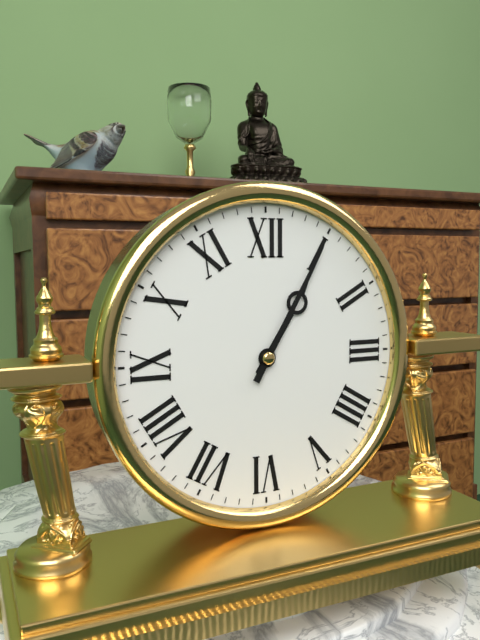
{"hour": 1, "minute": 5}
